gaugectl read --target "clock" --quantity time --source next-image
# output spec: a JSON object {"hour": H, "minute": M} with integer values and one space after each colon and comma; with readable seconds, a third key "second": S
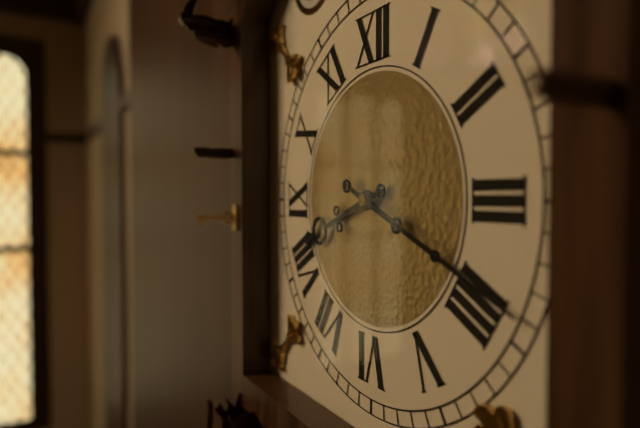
{"hour": 8, "minute": 19}
